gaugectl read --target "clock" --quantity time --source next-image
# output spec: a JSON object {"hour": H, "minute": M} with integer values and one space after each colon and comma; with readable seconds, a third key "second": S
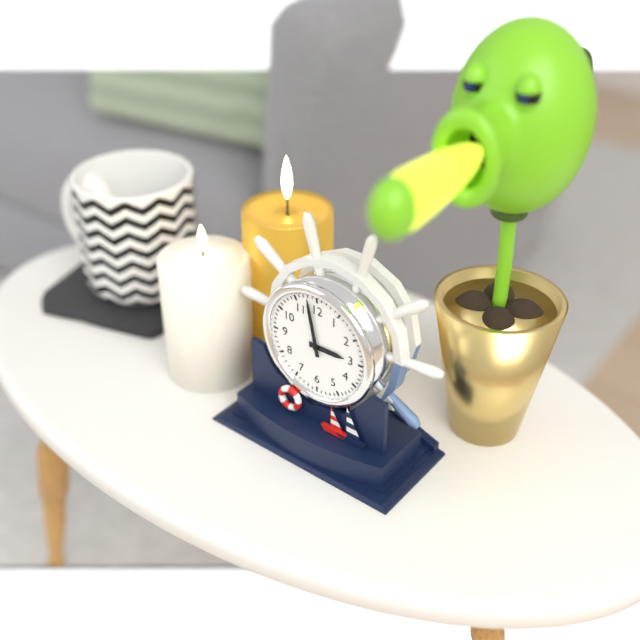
{"hour": 2, "minute": 58}
